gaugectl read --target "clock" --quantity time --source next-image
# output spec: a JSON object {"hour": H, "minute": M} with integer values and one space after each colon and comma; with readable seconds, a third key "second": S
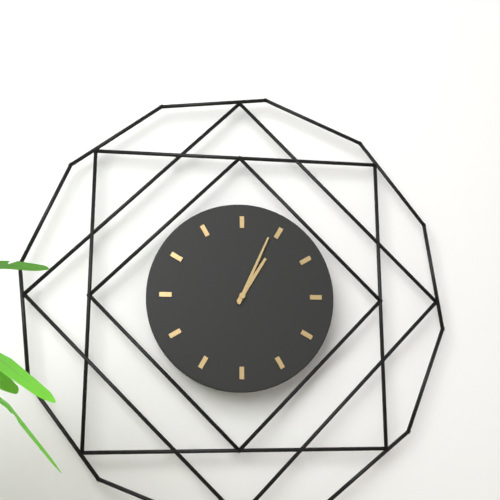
{"hour": 1, "minute": 4}
